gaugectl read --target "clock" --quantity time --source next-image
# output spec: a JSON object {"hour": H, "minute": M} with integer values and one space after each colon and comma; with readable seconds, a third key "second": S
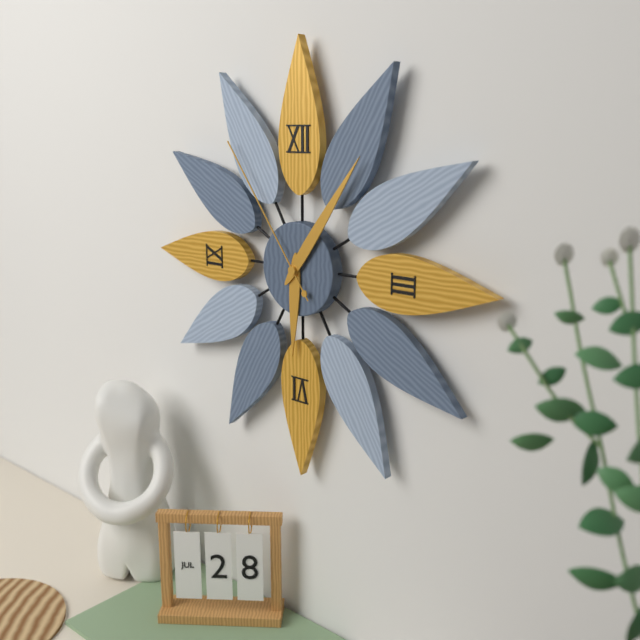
{"hour": 6, "minute": 6, "second": 54}
